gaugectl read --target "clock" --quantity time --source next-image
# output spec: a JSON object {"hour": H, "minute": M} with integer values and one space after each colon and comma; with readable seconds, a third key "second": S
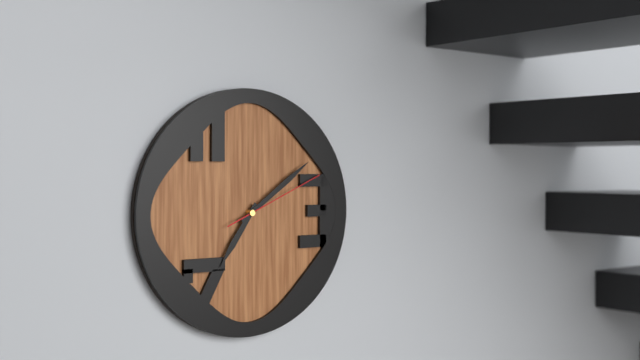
{"hour": 7, "minute": 9, "second": 11}
